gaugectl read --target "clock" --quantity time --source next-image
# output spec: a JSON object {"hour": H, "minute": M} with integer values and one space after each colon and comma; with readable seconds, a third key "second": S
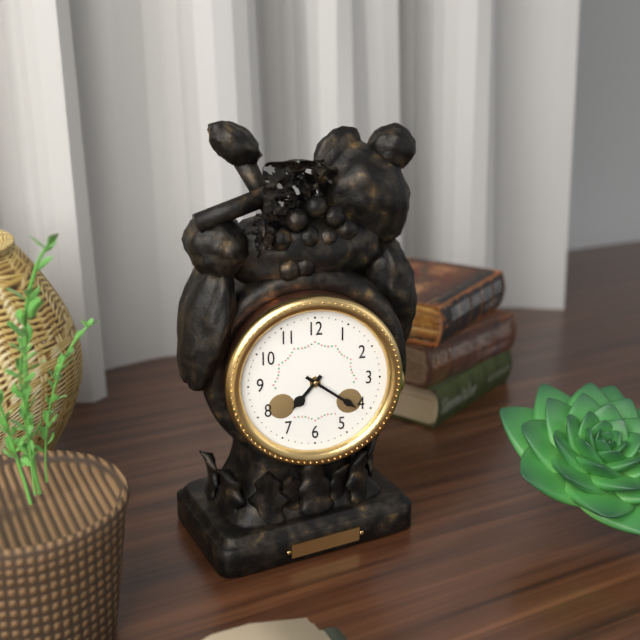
{"hour": 7, "minute": 21}
